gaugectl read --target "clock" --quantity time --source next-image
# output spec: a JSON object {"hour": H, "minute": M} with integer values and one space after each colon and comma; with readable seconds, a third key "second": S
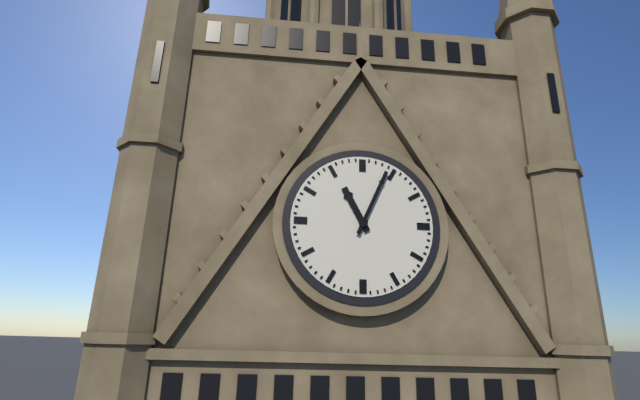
{"hour": 11, "minute": 4}
